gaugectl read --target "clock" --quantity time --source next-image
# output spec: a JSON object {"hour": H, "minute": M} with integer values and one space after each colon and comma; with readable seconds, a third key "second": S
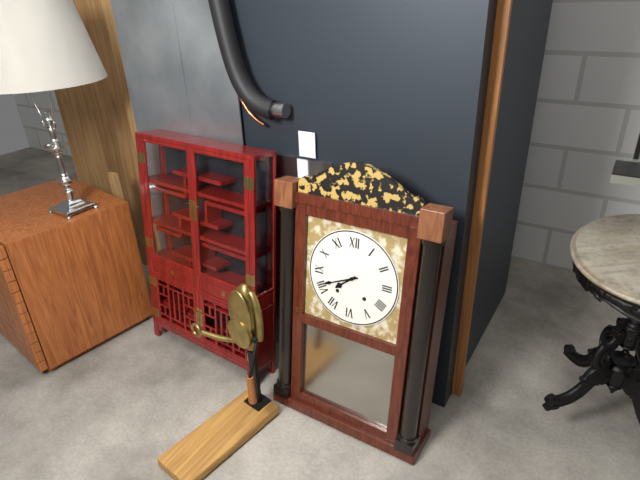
{"hour": 7, "minute": 41}
